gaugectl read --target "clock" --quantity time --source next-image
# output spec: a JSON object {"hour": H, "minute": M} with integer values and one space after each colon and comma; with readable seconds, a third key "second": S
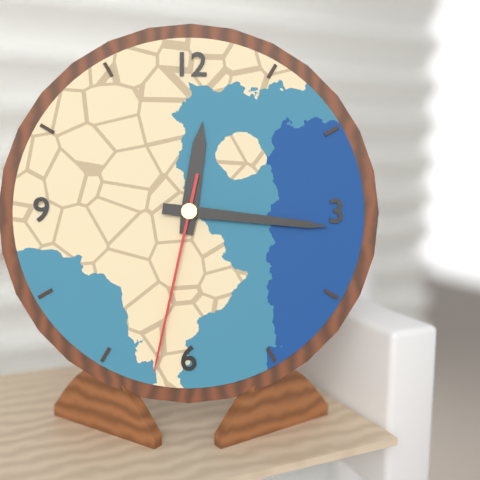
{"hour": 12, "minute": 16, "second": 32}
